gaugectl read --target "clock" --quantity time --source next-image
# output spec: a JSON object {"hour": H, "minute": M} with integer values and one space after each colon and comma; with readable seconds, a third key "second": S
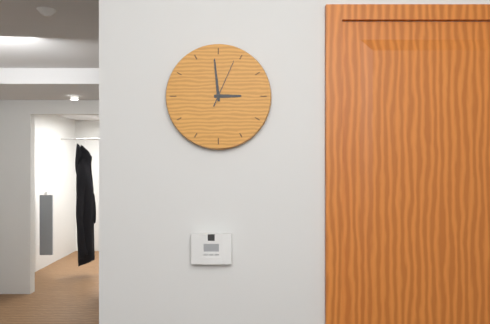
{"hour": 2, "minute": 59}
